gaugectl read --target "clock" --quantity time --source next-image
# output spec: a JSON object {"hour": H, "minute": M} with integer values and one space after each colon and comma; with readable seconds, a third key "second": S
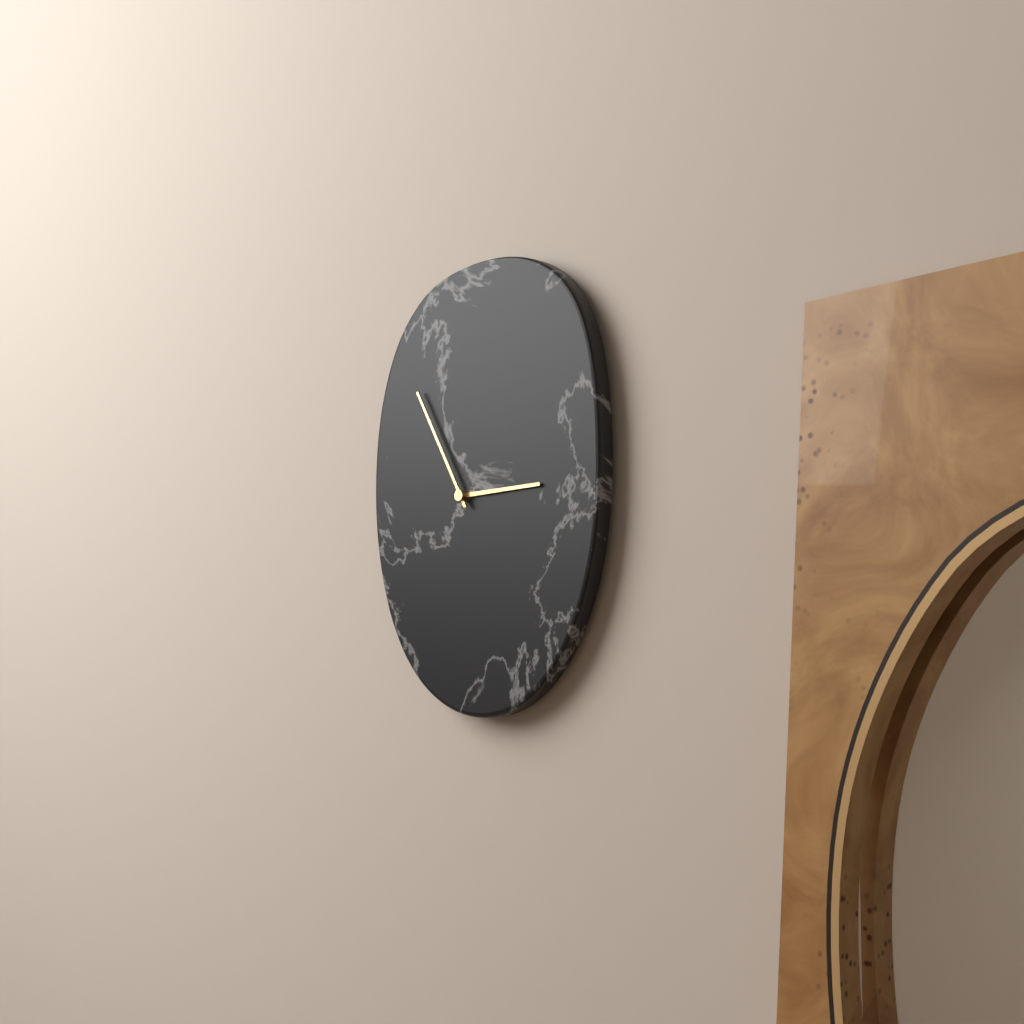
{"hour": 2, "minute": 55}
